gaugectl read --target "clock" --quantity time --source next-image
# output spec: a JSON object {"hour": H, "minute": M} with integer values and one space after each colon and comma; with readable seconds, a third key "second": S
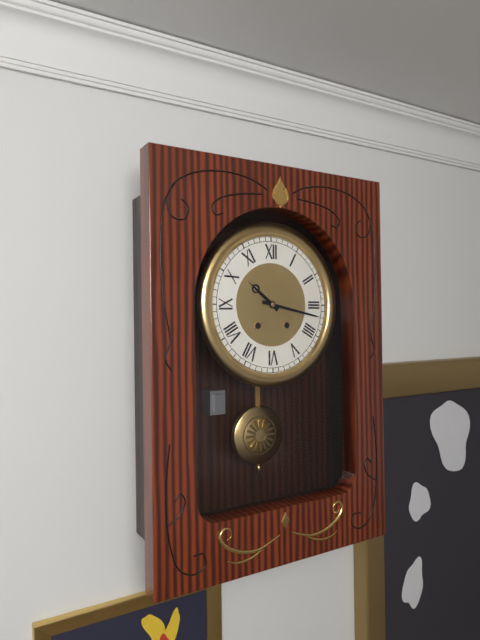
{"hour": 10, "minute": 17}
